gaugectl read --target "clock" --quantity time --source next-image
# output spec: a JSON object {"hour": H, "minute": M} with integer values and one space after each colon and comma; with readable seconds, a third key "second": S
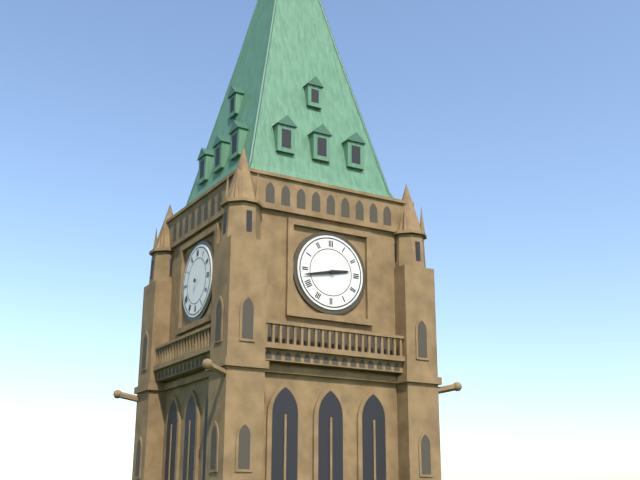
{"hour": 2, "minute": 43}
